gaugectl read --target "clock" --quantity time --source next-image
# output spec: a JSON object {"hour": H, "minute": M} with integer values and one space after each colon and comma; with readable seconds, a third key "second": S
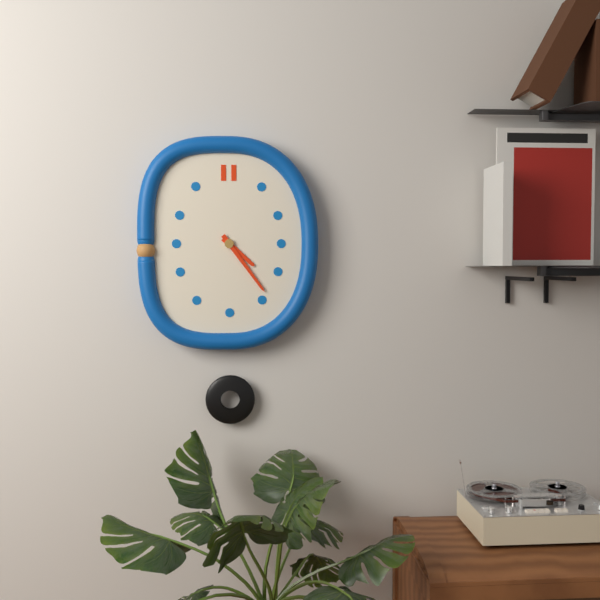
{"hour": 4, "minute": 24}
